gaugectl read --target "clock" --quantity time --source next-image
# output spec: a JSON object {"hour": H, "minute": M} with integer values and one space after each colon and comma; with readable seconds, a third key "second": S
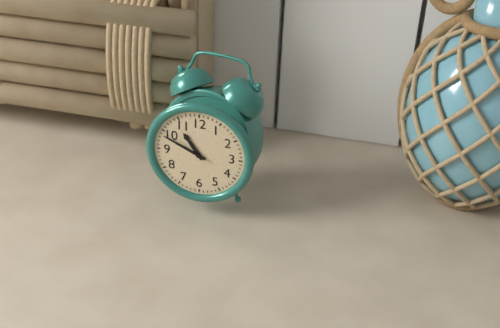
{"hour": 10, "minute": 49}
